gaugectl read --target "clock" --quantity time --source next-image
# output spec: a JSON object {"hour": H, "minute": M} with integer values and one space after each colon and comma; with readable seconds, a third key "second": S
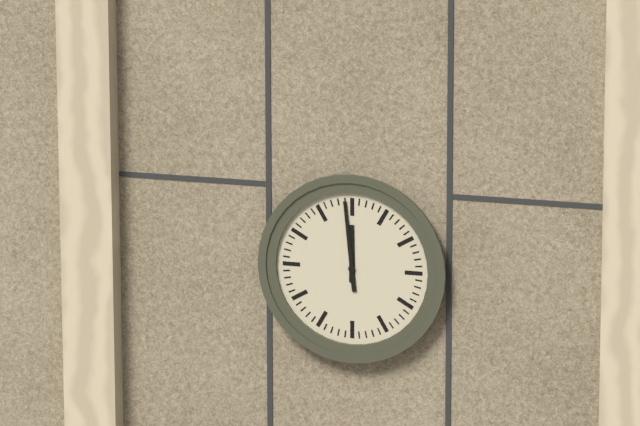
{"hour": 11, "minute": 59}
